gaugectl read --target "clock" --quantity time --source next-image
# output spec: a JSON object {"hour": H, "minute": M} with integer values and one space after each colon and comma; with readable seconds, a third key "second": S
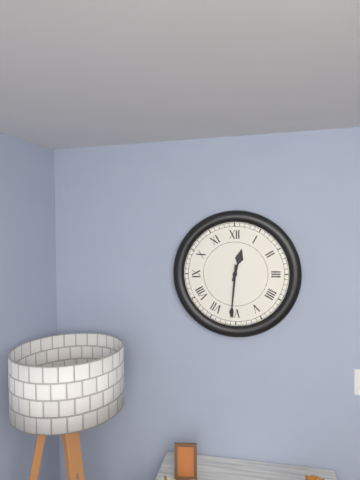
{"hour": 12, "minute": 31}
